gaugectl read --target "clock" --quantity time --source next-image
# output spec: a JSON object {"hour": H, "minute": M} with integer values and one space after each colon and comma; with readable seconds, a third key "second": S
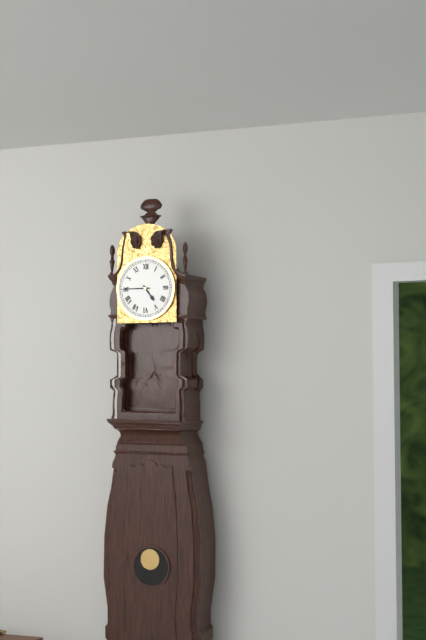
{"hour": 4, "minute": 45}
